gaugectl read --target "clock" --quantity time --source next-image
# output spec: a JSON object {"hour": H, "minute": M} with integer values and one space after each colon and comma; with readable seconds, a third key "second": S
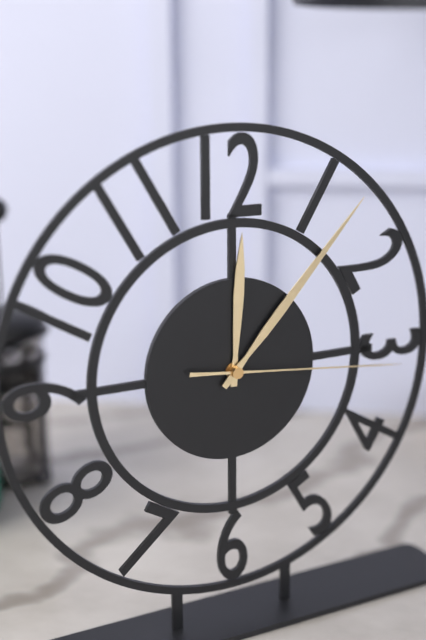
{"hour": 12, "minute": 7, "second": 16}
